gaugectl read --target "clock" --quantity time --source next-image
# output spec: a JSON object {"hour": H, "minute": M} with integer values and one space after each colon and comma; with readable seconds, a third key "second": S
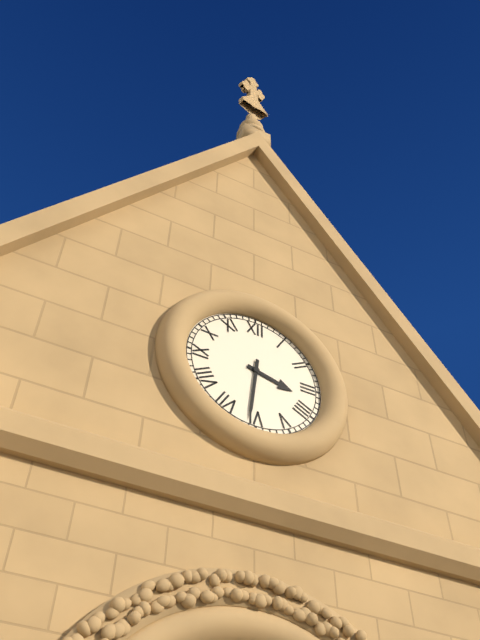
{"hour": 3, "minute": 31}
